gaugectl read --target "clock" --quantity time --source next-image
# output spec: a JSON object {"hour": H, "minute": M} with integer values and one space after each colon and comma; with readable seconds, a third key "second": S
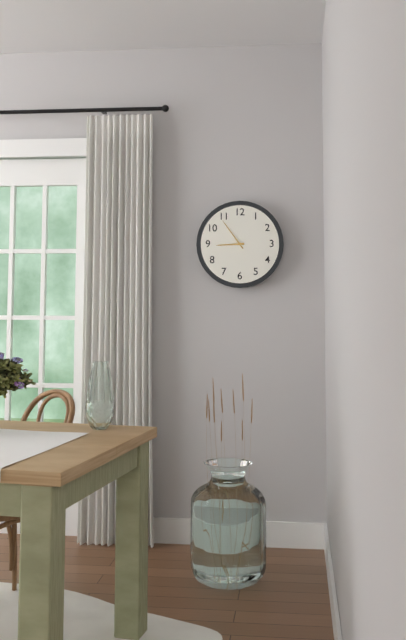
{"hour": 8, "minute": 54}
